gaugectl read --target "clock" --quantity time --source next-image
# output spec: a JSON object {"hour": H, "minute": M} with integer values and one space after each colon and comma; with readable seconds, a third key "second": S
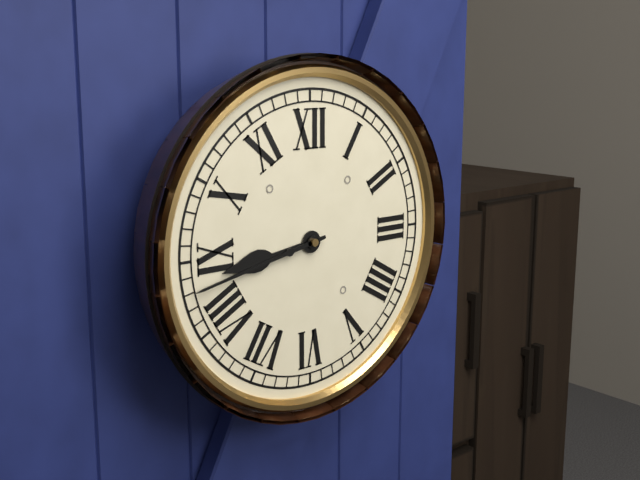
{"hour": 8, "minute": 43}
